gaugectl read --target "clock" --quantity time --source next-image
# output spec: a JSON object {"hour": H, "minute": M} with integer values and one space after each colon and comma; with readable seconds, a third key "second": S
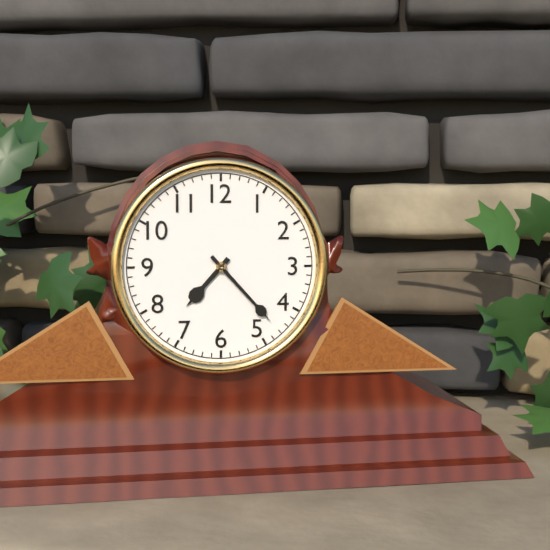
{"hour": 7, "minute": 23}
